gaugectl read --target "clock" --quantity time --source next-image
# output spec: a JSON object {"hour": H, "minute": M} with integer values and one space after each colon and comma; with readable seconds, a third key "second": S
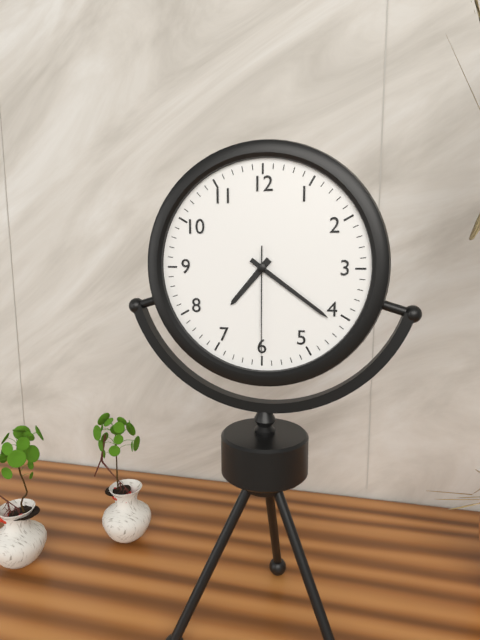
{"hour": 7, "minute": 21, "second": 30}
